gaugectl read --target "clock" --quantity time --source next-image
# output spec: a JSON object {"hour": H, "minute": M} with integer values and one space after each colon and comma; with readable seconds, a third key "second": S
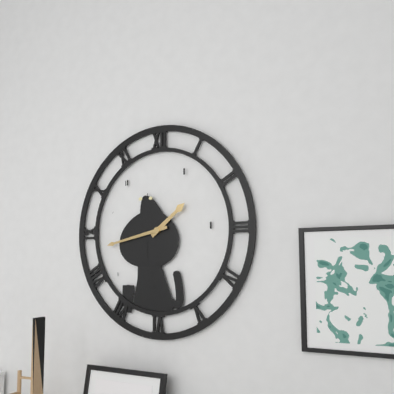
{"hour": 1, "minute": 43}
